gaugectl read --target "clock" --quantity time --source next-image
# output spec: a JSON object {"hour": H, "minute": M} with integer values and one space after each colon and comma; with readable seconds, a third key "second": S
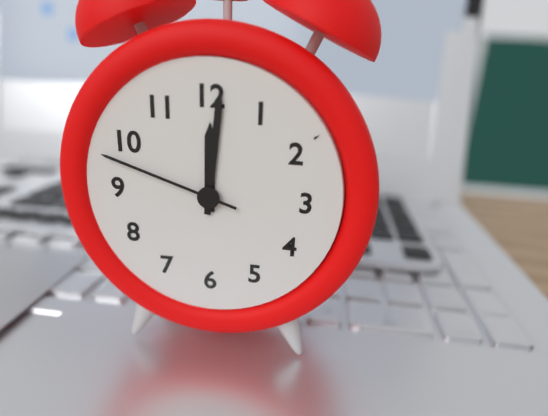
{"hour": 12, "minute": 1, "second": 48}
